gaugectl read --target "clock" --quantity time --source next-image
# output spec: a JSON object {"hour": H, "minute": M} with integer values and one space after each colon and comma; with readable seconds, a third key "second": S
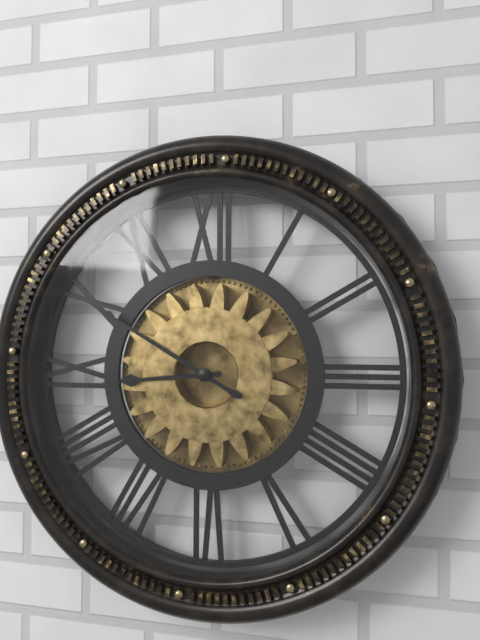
{"hour": 8, "minute": 50}
